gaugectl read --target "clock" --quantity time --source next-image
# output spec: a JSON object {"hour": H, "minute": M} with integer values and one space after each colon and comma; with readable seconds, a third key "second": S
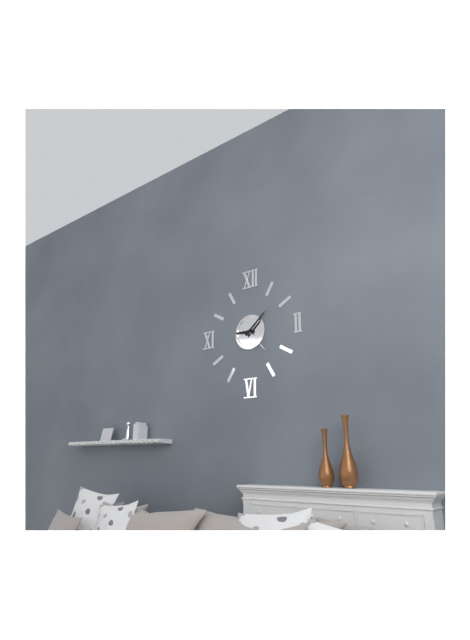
{"hour": 9, "minute": 8}
